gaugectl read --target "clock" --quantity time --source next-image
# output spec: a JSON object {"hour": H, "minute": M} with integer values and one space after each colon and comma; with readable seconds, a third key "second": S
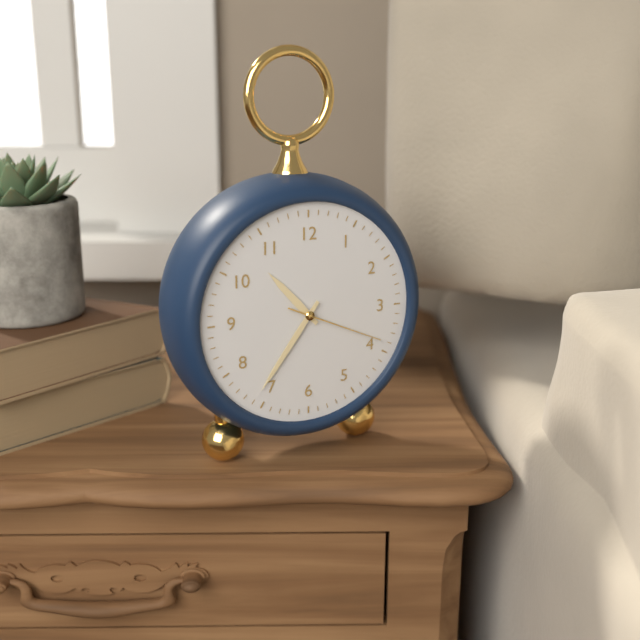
{"hour": 10, "minute": 36, "second": 19}
